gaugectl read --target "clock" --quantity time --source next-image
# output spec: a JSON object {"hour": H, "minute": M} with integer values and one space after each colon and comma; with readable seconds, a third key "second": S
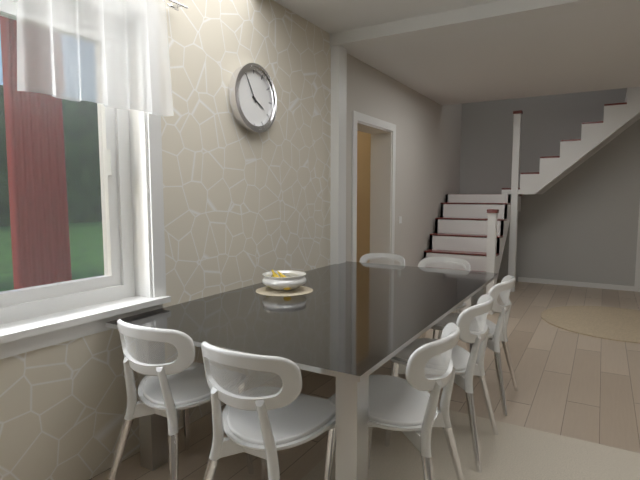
{"hour": 3, "minute": 55}
